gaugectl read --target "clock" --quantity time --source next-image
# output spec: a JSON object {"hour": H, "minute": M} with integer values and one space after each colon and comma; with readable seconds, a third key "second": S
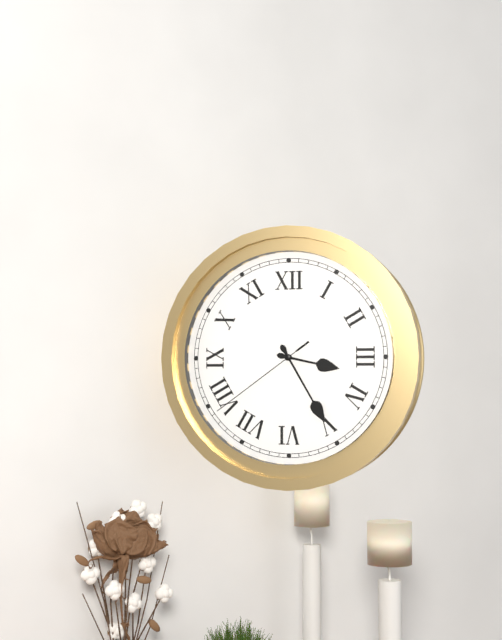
{"hour": 3, "minute": 25, "second": 39}
